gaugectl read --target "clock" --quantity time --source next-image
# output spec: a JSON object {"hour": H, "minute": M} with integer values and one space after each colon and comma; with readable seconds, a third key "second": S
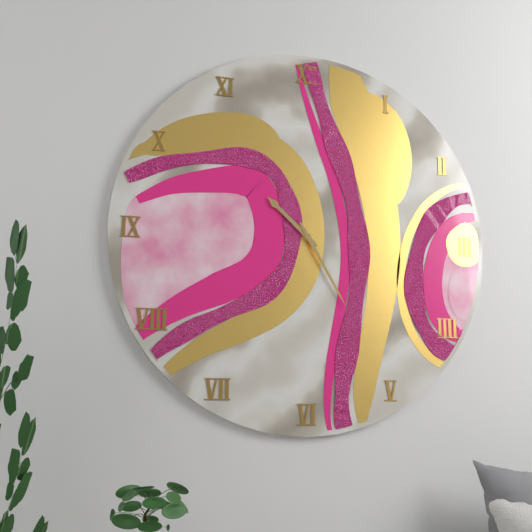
{"hour": 10, "minute": 25}
